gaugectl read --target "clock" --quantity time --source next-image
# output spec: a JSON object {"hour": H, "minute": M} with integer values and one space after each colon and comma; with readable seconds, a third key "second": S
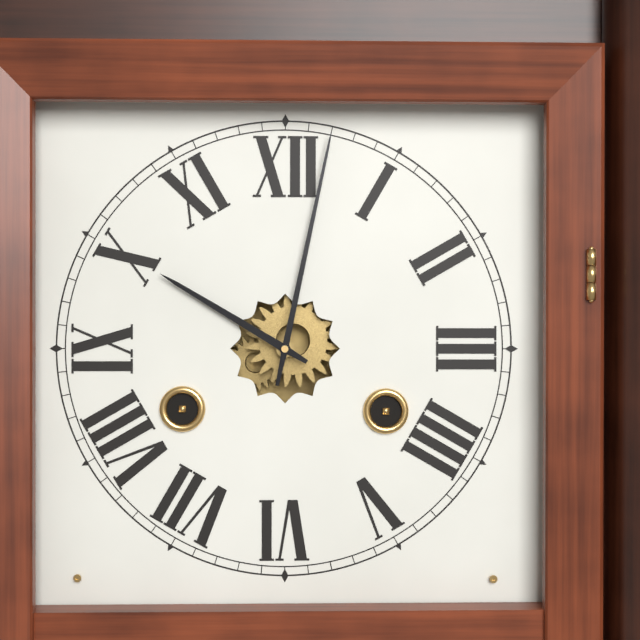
{"hour": 10, "minute": 2}
